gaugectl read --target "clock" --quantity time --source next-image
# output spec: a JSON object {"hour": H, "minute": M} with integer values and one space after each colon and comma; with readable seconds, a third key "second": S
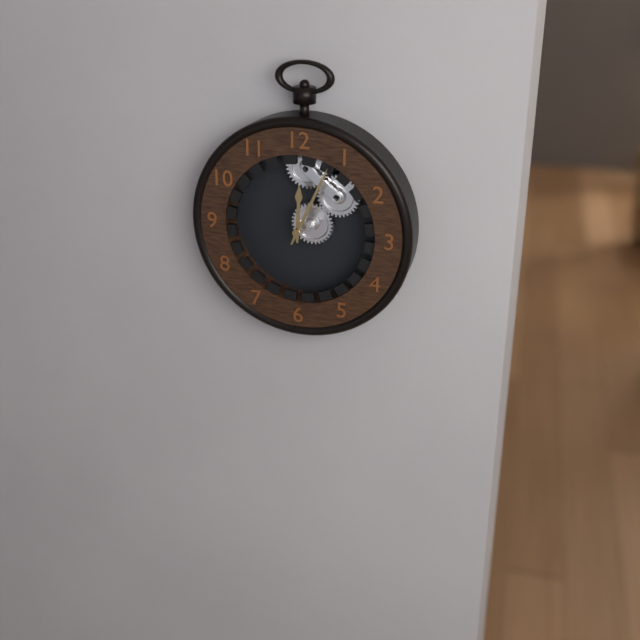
{"hour": 12, "minute": 4}
